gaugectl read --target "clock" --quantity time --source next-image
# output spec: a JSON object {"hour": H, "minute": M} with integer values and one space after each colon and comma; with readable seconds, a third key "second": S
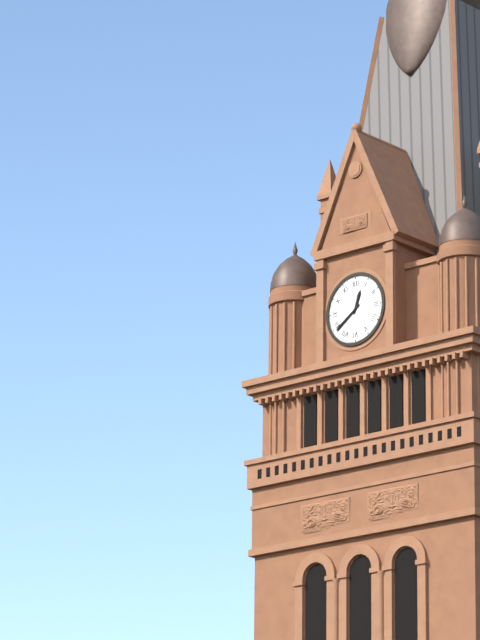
{"hour": 12, "minute": 39}
